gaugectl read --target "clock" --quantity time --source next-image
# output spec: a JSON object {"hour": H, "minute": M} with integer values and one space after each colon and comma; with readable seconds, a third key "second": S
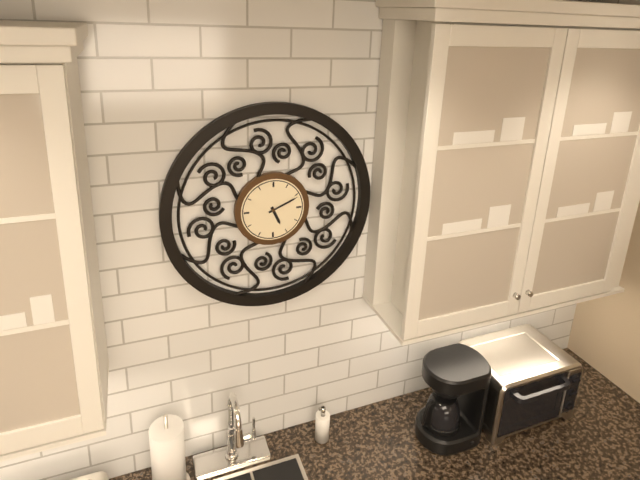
{"hour": 5, "minute": 11}
